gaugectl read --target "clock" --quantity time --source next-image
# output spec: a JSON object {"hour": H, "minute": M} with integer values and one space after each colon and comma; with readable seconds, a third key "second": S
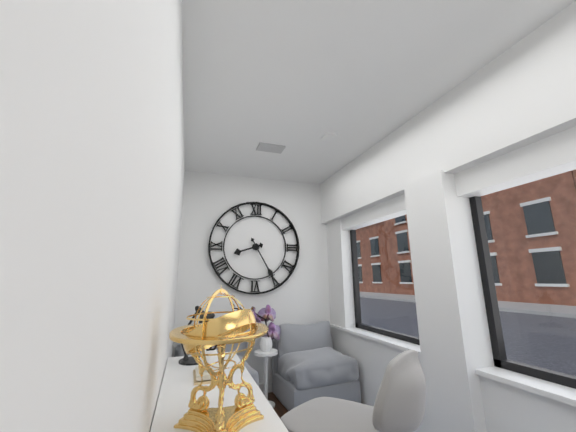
{"hour": 8, "minute": 25}
